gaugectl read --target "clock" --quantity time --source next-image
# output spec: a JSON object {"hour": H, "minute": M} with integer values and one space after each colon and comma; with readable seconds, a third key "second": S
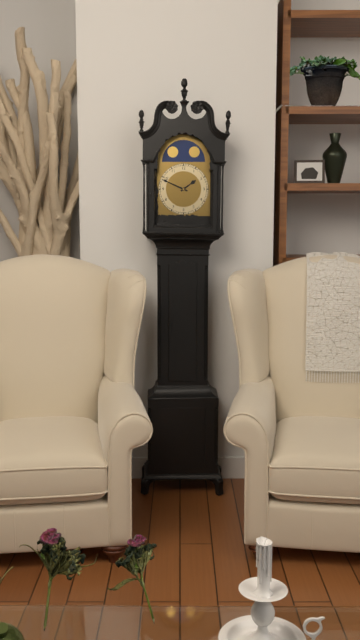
{"hour": 1, "minute": 49}
